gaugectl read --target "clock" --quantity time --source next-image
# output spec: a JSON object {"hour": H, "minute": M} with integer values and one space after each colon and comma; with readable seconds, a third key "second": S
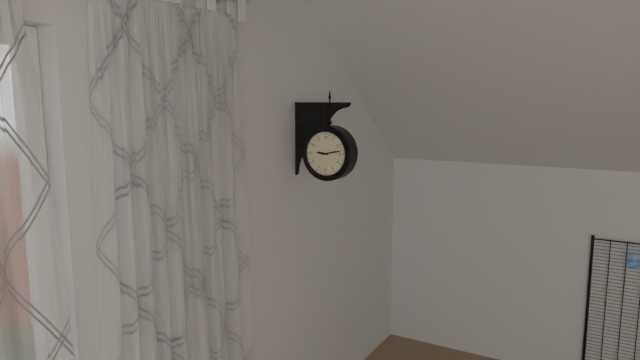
{"hour": 9, "minute": 13}
